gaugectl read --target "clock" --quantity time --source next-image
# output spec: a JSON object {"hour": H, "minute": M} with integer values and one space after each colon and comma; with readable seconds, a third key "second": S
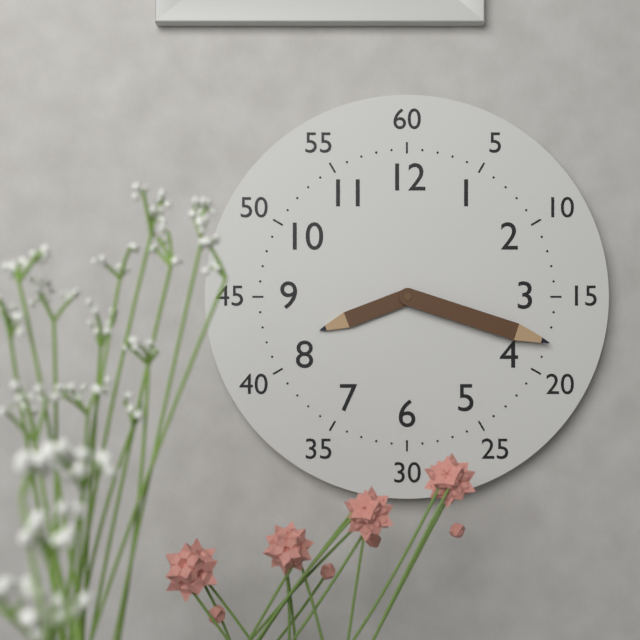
{"hour": 8, "minute": 18}
